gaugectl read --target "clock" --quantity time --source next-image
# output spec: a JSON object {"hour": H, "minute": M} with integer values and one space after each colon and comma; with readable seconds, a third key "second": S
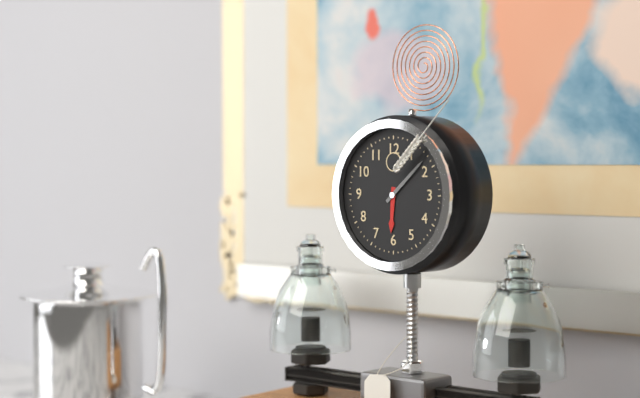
{"hour": 6, "minute": 8}
